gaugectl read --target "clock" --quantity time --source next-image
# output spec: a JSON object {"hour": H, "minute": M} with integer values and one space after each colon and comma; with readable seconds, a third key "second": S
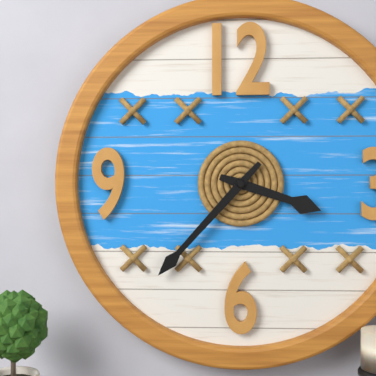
{"hour": 3, "minute": 37}
